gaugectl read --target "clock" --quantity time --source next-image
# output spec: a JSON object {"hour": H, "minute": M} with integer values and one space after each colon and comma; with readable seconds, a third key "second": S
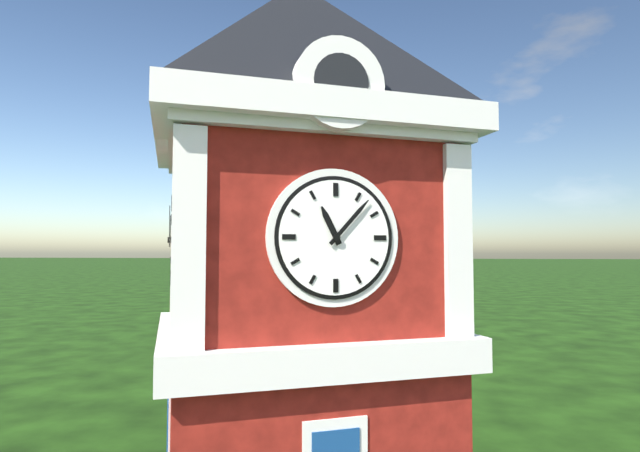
{"hour": 11, "minute": 7}
